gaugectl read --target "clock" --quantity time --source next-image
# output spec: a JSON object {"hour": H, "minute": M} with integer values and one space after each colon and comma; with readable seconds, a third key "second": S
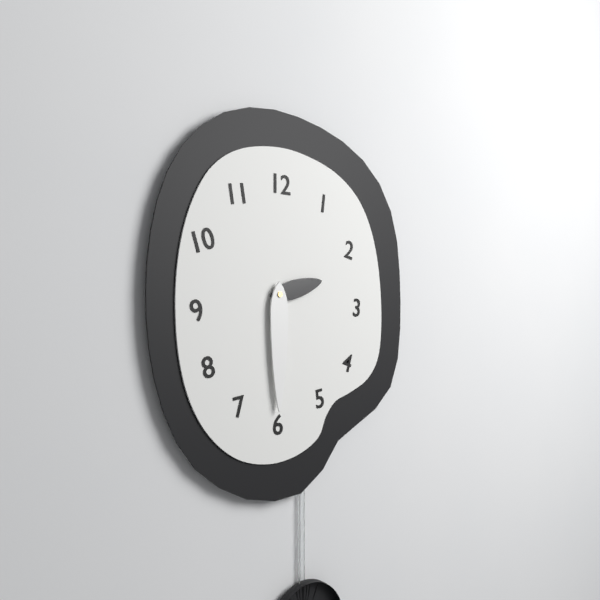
{"hour": 2, "minute": 30}
